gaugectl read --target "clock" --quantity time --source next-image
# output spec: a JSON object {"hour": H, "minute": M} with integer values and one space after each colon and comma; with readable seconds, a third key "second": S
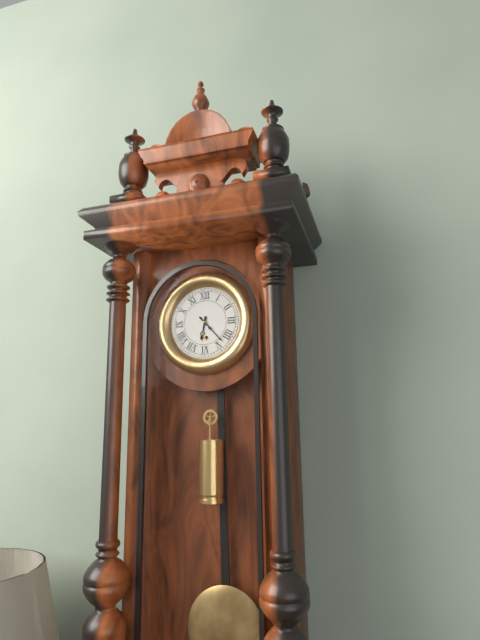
{"hour": 6, "minute": 23}
